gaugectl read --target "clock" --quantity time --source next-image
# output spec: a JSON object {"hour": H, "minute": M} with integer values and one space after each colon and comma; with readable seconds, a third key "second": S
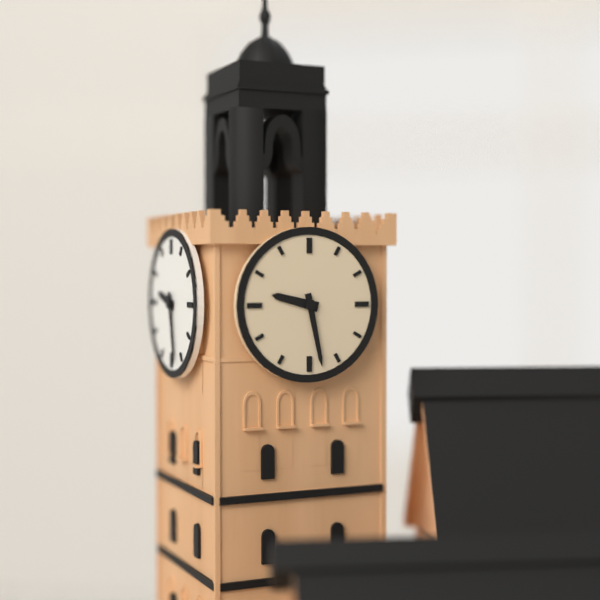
{"hour": 9, "minute": 28}
